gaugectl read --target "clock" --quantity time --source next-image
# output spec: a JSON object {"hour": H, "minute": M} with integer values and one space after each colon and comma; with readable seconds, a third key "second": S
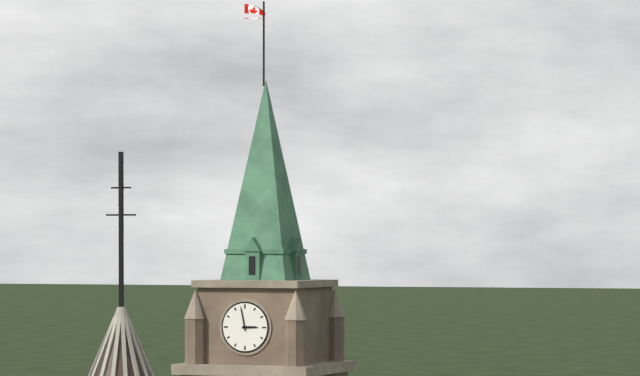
{"hour": 2, "minute": 58}
